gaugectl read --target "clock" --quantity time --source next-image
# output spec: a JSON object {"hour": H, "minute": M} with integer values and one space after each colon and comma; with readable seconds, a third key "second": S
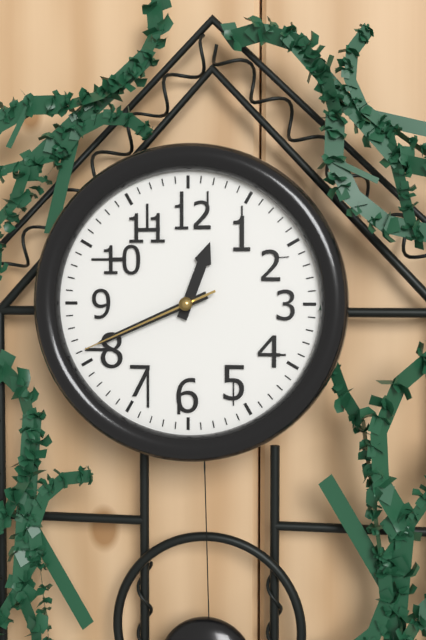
{"hour": 12, "minute": 41, "second": 41}
